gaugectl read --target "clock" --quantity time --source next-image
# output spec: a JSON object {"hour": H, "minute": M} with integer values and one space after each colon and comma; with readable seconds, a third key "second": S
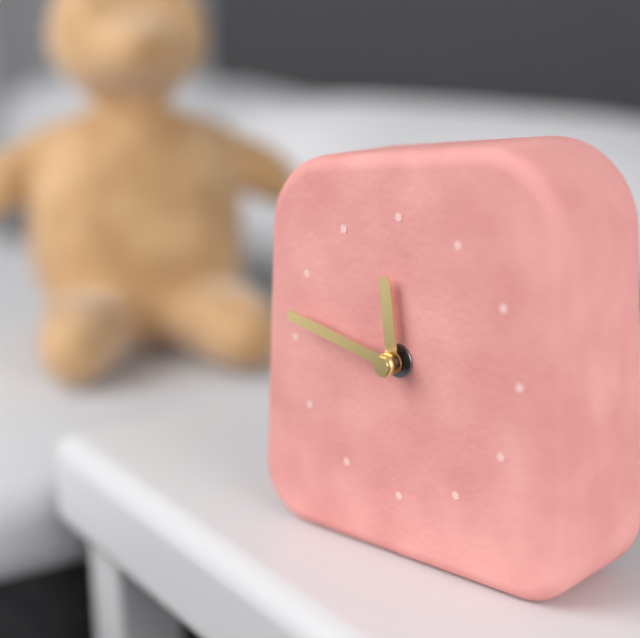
{"hour": 11, "minute": 47}
